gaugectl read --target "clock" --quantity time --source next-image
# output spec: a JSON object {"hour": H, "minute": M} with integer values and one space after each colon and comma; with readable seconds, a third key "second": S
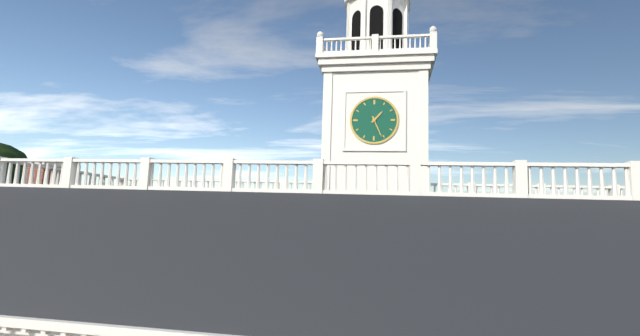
{"hour": 1, "minute": 26}
